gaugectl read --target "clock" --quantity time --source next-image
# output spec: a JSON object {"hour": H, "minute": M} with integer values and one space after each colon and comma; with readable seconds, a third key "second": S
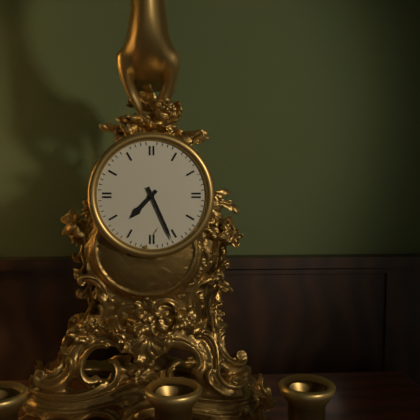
{"hour": 7, "minute": 26}
